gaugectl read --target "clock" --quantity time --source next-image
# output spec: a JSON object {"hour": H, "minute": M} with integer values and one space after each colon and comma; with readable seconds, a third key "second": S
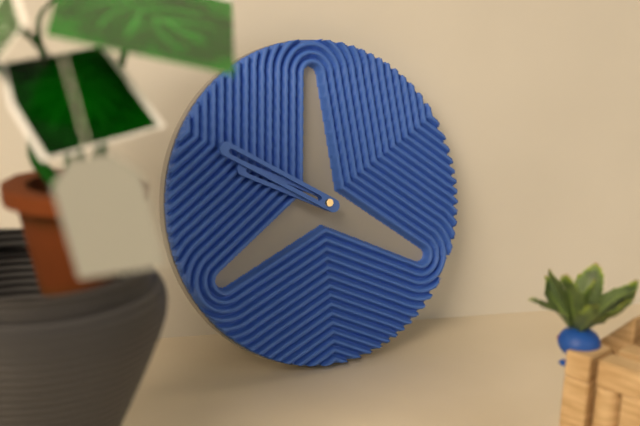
{"hour": 9, "minute": 50}
